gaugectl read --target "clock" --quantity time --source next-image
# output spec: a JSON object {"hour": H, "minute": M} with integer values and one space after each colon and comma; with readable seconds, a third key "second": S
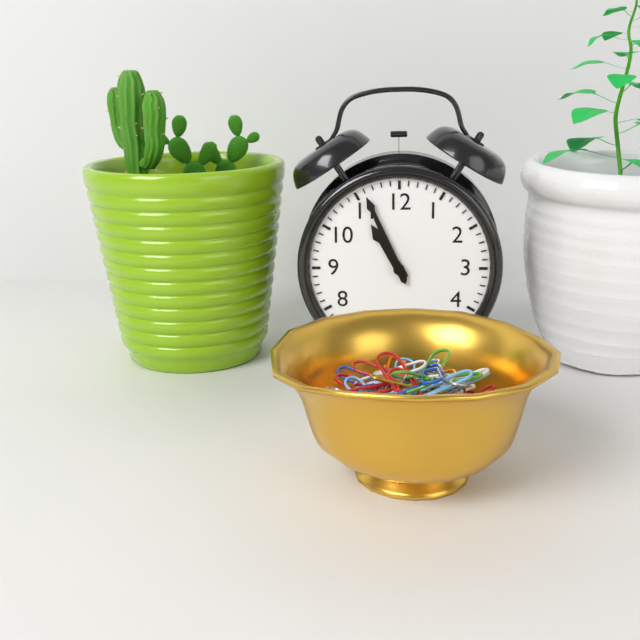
{"hour": 10, "minute": 56}
